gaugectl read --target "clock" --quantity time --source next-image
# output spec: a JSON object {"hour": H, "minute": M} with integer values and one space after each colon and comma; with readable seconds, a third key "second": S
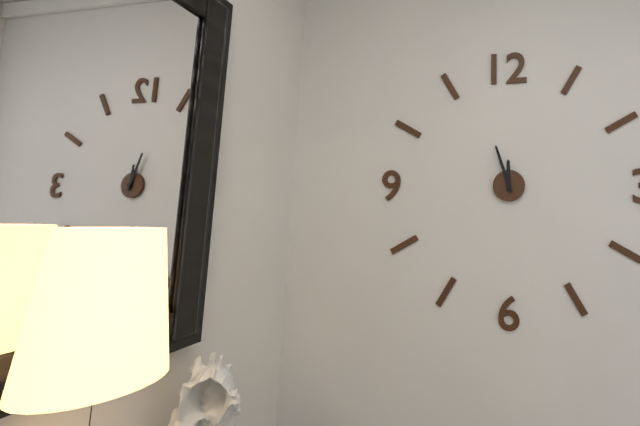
{"hour": 11, "minute": 57}
